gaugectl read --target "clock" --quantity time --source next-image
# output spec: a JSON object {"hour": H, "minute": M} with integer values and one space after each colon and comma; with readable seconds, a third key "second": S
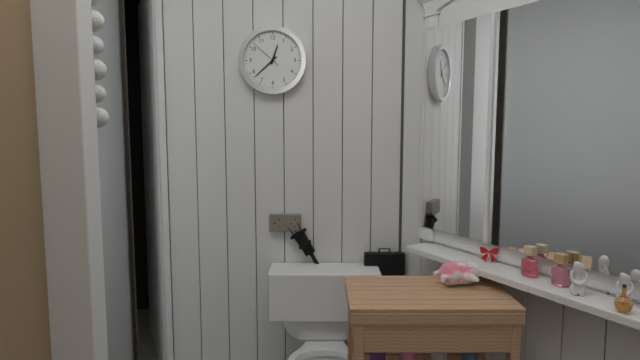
{"hour": 12, "minute": 38}
